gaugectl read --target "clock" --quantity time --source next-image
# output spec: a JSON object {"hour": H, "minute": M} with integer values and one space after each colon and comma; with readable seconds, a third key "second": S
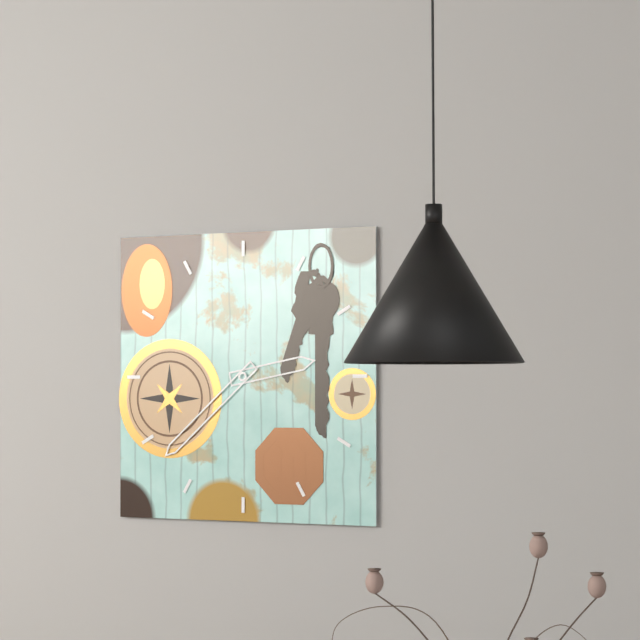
{"hour": 2, "minute": 38}
